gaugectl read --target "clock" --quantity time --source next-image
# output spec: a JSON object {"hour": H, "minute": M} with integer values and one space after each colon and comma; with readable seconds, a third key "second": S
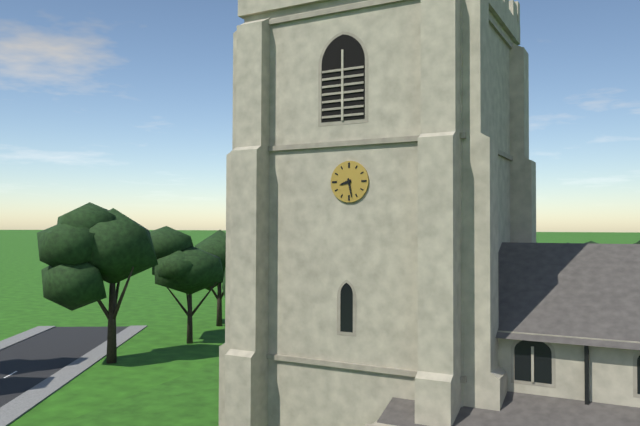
{"hour": 8, "minute": 28}
